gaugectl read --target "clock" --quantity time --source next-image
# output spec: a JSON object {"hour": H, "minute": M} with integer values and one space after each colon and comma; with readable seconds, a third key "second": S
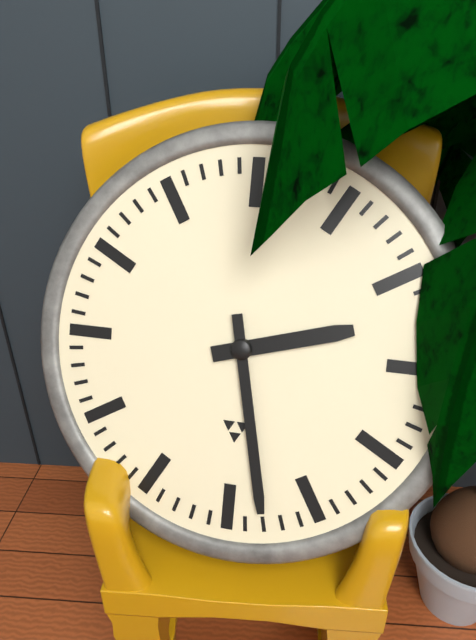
{"hour": 2, "minute": 28}
